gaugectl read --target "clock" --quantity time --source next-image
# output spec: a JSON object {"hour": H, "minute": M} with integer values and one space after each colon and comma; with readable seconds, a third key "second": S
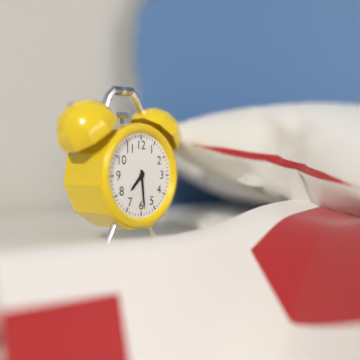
{"hour": 7, "minute": 29}
